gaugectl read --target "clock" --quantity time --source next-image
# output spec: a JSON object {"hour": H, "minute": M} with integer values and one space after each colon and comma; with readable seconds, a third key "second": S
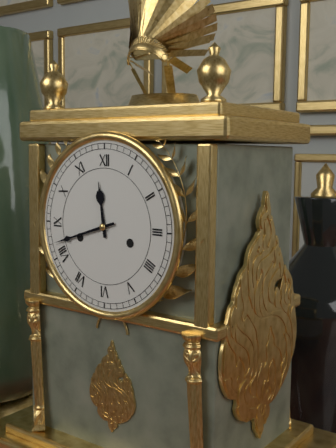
{"hour": 11, "minute": 42}
